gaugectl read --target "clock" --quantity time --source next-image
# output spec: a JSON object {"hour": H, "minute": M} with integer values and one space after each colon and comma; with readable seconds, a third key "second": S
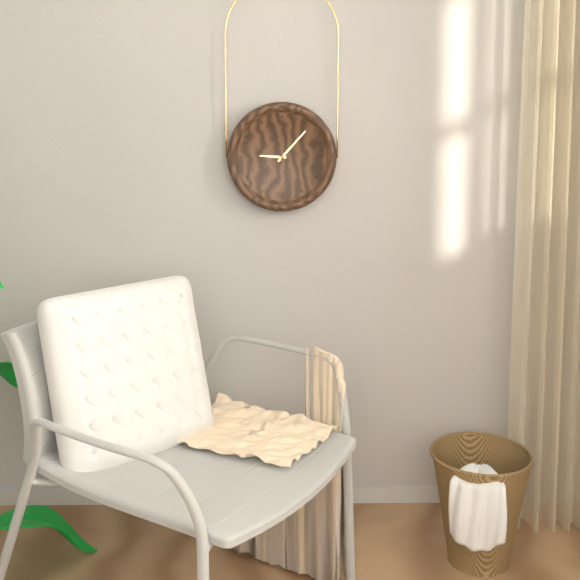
{"hour": 9, "minute": 7}
